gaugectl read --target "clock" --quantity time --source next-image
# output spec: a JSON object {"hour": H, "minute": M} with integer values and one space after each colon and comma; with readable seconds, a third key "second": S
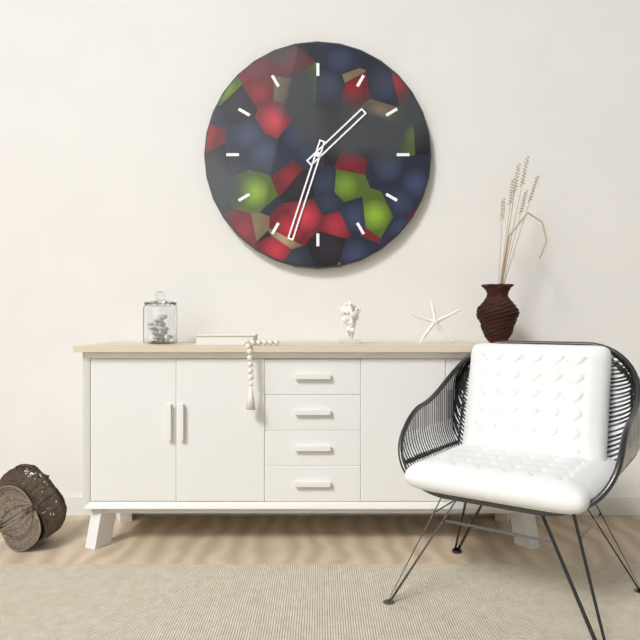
{"hour": 1, "minute": 33}
